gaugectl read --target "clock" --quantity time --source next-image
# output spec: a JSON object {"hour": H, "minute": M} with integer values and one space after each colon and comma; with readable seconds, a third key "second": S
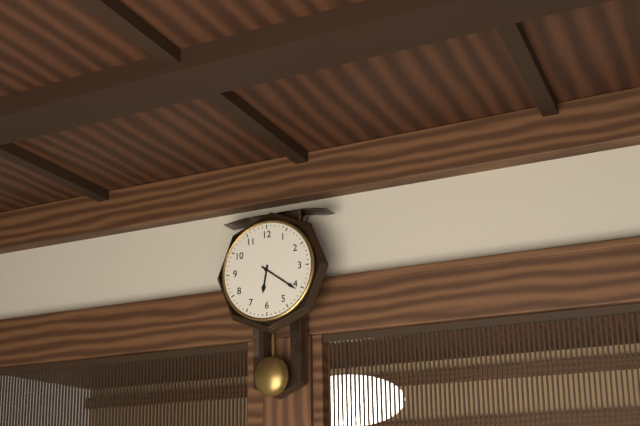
{"hour": 6, "minute": 21}
